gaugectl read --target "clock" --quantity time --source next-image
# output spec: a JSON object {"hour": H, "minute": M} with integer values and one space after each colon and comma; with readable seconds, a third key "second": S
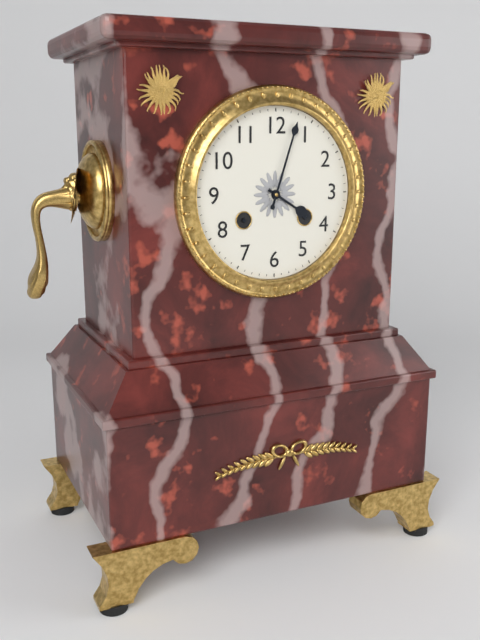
{"hour": 4, "minute": 3}
